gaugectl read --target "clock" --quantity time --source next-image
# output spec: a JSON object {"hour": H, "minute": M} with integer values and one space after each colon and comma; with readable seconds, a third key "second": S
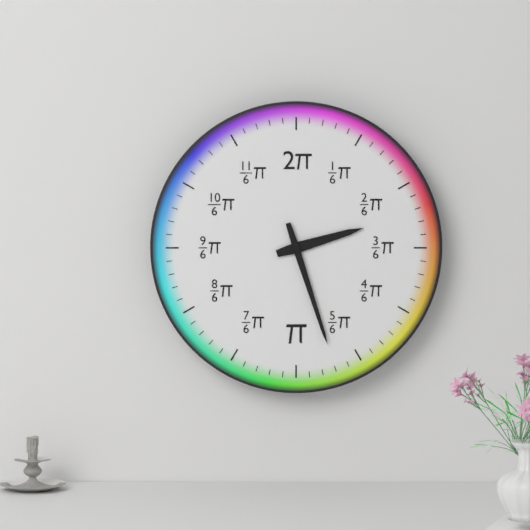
{"hour": 2, "minute": 27}
